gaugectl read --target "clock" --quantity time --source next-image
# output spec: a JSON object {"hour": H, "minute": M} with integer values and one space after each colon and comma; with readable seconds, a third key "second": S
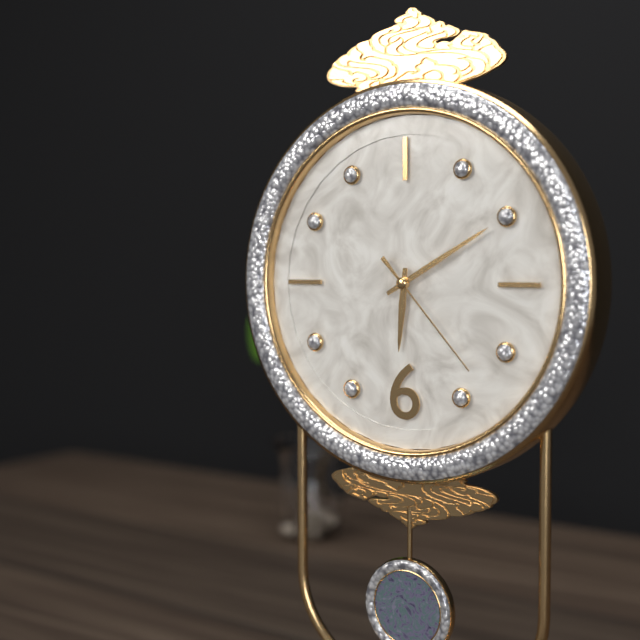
{"hour": 6, "minute": 10, "second": 23}
